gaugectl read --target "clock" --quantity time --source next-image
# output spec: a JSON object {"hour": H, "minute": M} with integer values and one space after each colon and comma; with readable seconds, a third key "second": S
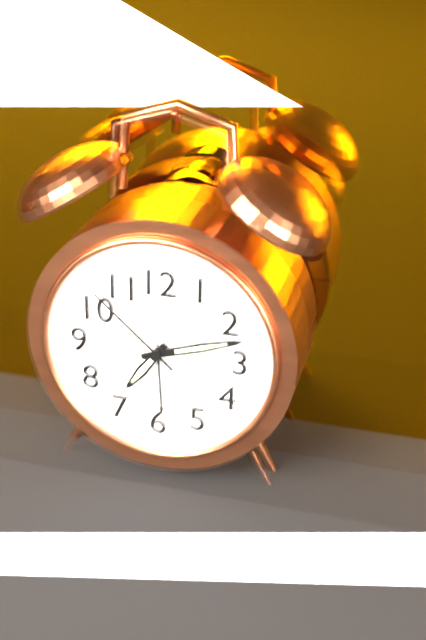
{"hour": 7, "minute": 12, "second": 52}
